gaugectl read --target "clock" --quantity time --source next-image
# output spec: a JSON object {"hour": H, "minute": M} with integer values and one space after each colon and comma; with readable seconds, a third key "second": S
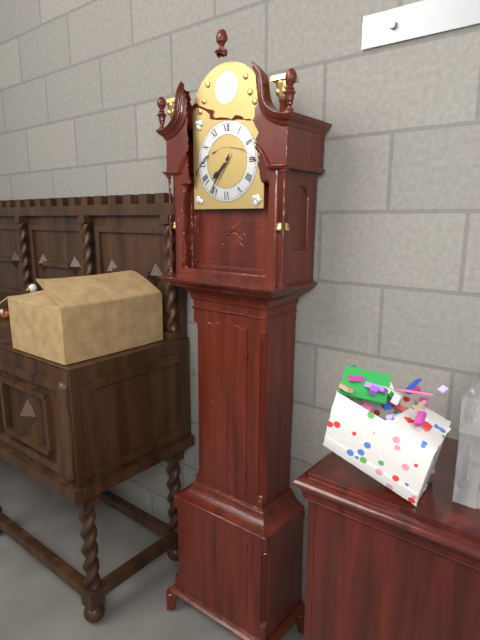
{"hour": 7, "minute": 36}
